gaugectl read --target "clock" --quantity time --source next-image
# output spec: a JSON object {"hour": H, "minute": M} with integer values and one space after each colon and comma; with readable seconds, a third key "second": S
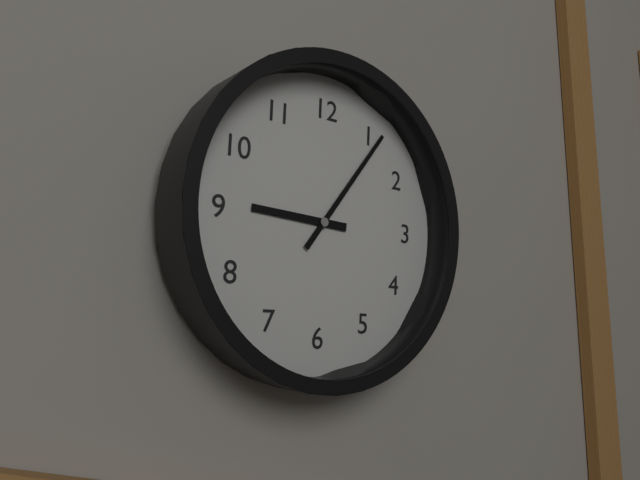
{"hour": 9, "minute": 6}
